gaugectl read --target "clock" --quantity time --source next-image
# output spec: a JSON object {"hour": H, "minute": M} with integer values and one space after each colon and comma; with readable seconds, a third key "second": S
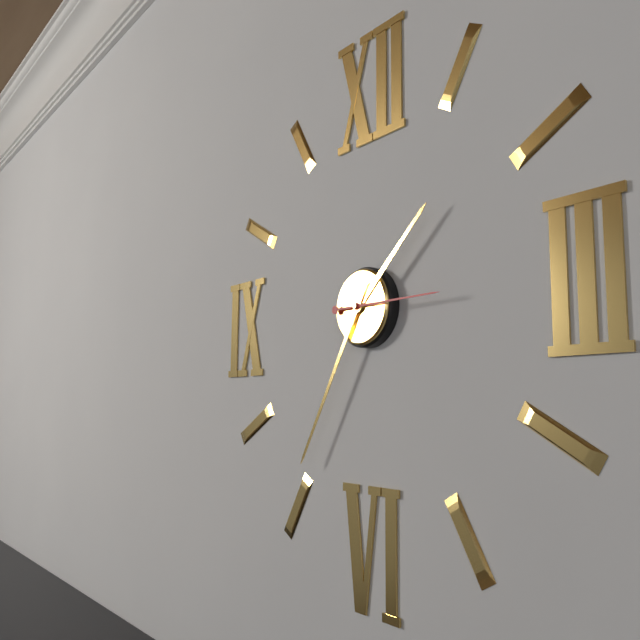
{"hour": 1, "minute": 35, "second": 15}
